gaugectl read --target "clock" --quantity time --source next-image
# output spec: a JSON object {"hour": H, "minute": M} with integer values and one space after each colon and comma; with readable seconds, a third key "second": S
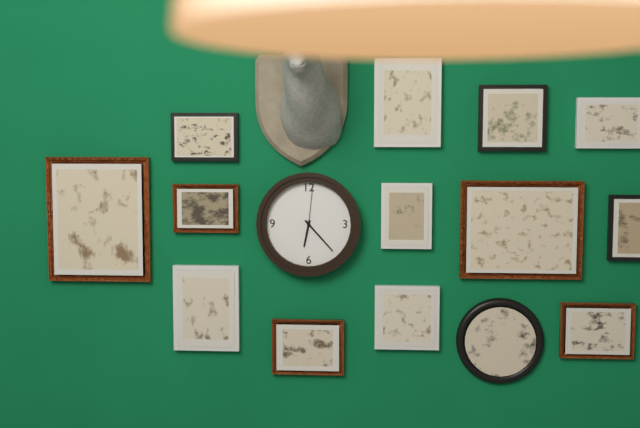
{"hour": 6, "minute": 23, "second": 1}
